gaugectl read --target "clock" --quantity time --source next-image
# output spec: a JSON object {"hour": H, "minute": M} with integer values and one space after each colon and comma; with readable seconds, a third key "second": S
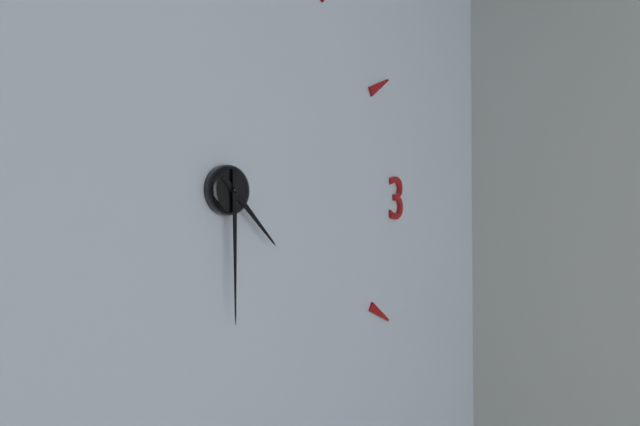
{"hour": 4, "minute": 30}
